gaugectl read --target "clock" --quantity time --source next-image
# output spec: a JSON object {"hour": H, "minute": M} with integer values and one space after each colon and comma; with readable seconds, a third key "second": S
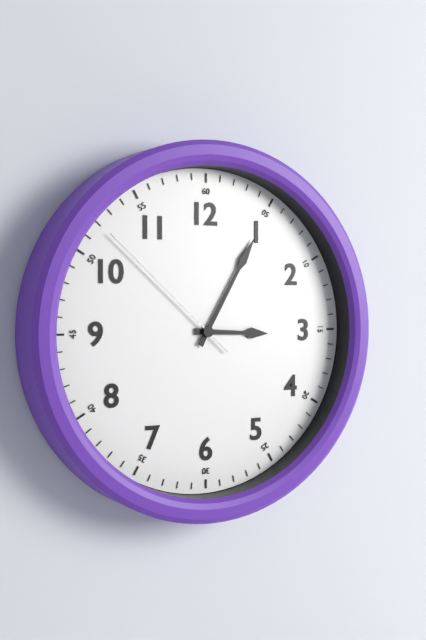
{"hour": 3, "minute": 5, "second": 52}
